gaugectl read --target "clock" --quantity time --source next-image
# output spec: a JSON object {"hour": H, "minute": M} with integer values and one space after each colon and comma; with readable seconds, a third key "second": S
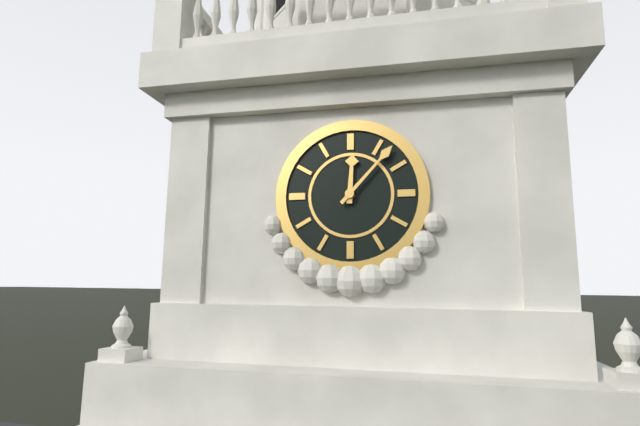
{"hour": 12, "minute": 7}
